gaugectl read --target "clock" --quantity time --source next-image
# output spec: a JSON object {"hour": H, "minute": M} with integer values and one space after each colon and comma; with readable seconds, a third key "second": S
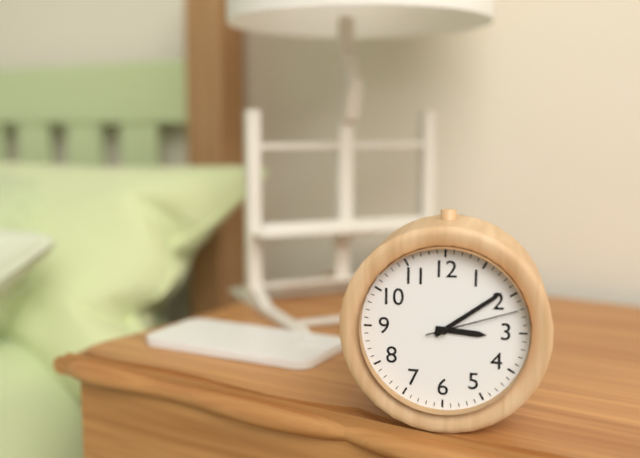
{"hour": 3, "minute": 9, "second": 12}
